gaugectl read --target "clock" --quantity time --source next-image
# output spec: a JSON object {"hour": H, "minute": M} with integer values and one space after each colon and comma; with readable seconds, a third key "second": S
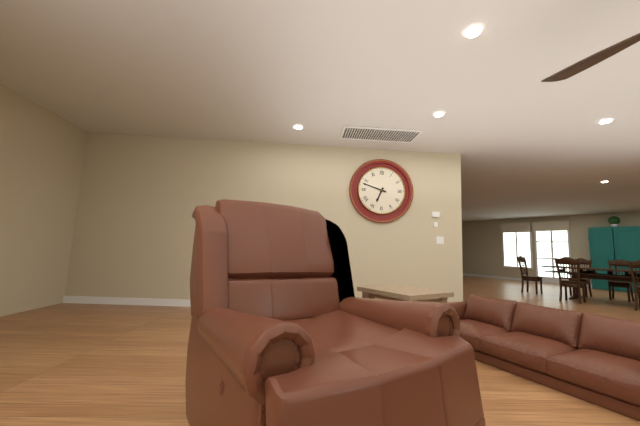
{"hour": 6, "minute": 48}
